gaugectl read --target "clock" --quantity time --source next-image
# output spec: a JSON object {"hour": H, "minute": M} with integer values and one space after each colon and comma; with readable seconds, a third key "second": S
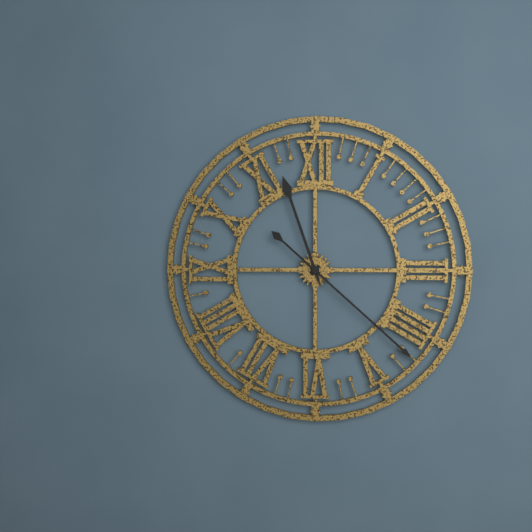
{"hour": 11, "minute": 22}
